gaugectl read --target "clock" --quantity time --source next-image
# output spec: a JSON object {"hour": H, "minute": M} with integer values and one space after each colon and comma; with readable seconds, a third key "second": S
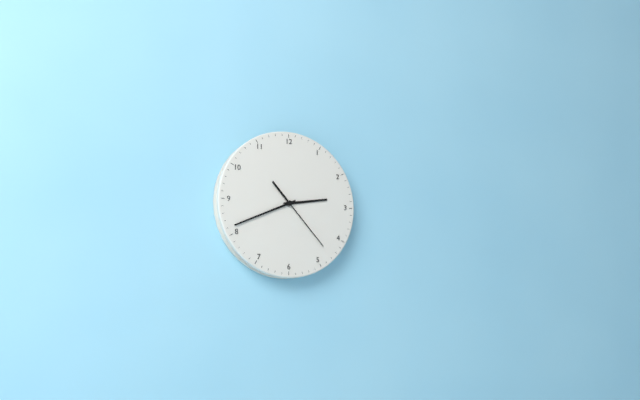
{"hour": 2, "minute": 41, "second": 23}
